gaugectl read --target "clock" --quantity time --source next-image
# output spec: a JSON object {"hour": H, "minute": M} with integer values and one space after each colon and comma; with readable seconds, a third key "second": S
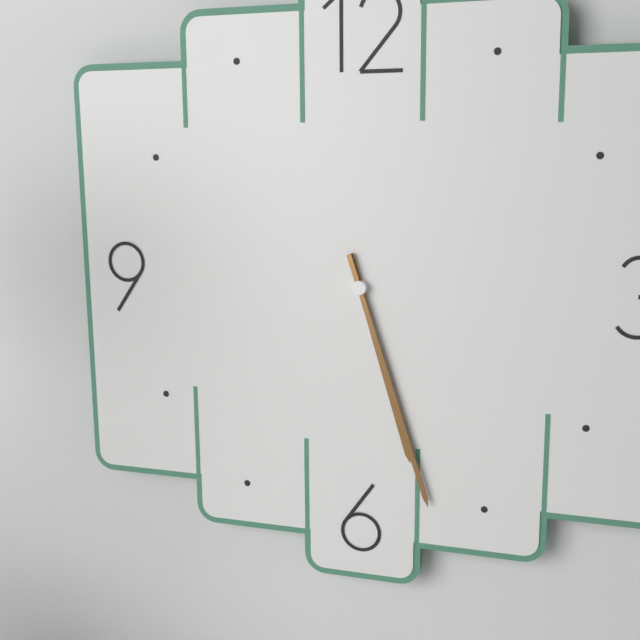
{"hour": 5, "minute": 27}
